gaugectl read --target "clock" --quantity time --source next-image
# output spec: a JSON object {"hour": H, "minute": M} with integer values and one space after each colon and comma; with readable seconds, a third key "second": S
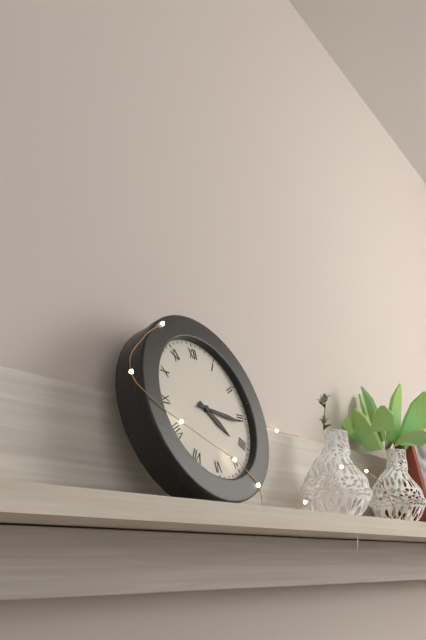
{"hour": 4, "minute": 16}
